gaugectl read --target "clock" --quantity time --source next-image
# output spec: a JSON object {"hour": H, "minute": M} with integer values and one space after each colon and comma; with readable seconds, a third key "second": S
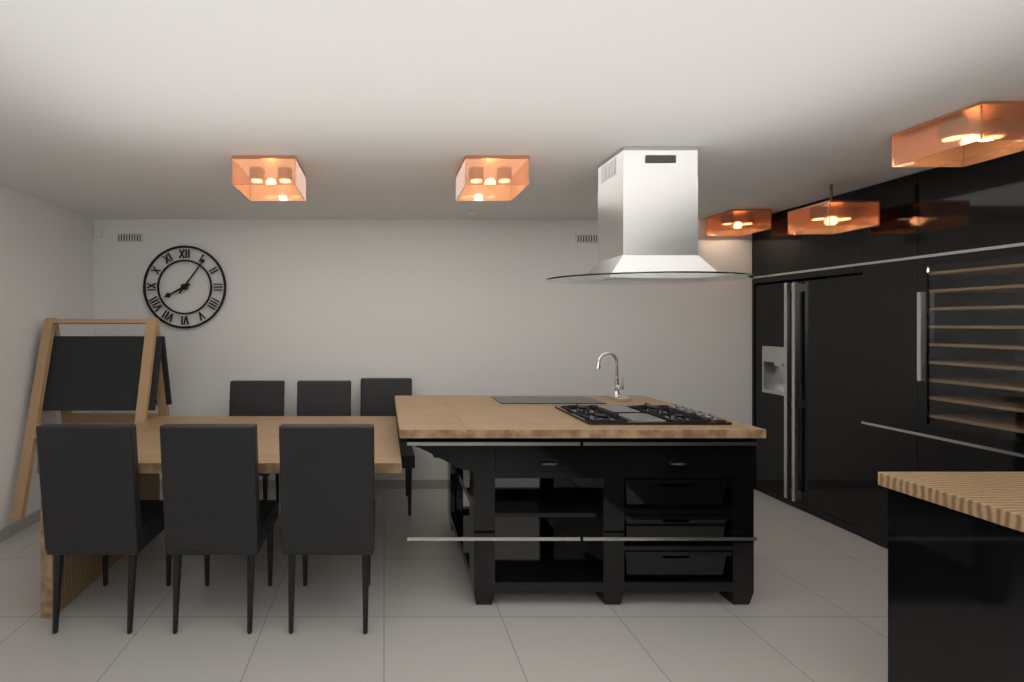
{"hour": 8, "minute": 6}
